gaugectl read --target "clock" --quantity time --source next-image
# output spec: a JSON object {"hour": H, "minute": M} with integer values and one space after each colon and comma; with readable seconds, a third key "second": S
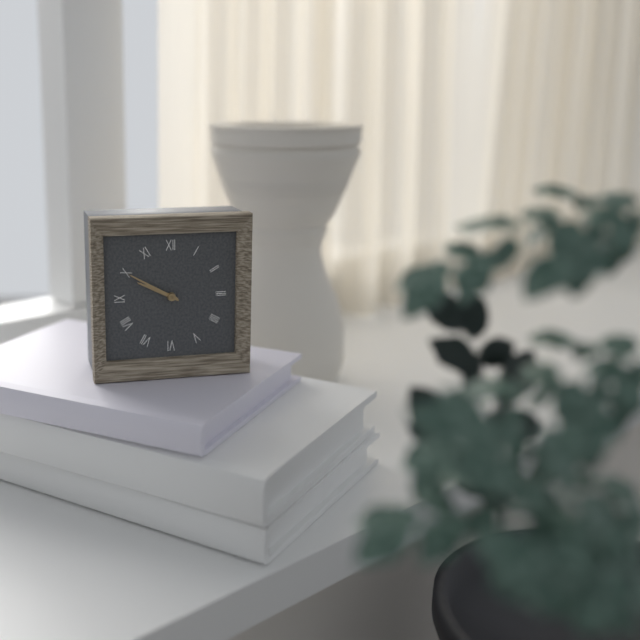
{"hour": 9, "minute": 50}
